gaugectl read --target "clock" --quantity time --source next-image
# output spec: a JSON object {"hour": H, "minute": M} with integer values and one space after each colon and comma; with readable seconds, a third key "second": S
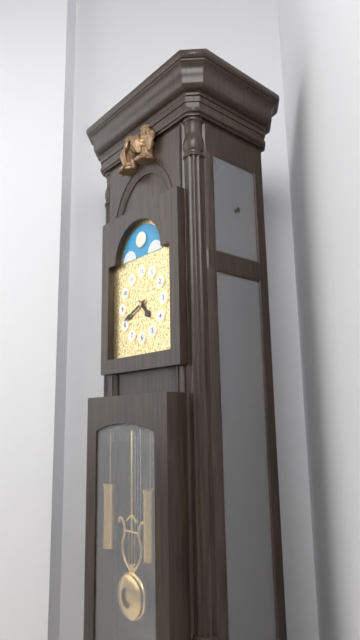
{"hour": 4, "minute": 41}
